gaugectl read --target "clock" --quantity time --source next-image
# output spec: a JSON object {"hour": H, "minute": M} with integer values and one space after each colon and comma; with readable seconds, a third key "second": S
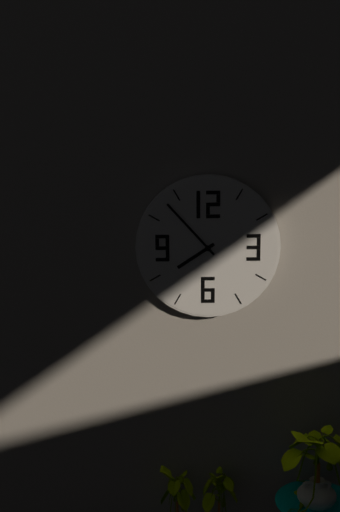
{"hour": 7, "minute": 53}
